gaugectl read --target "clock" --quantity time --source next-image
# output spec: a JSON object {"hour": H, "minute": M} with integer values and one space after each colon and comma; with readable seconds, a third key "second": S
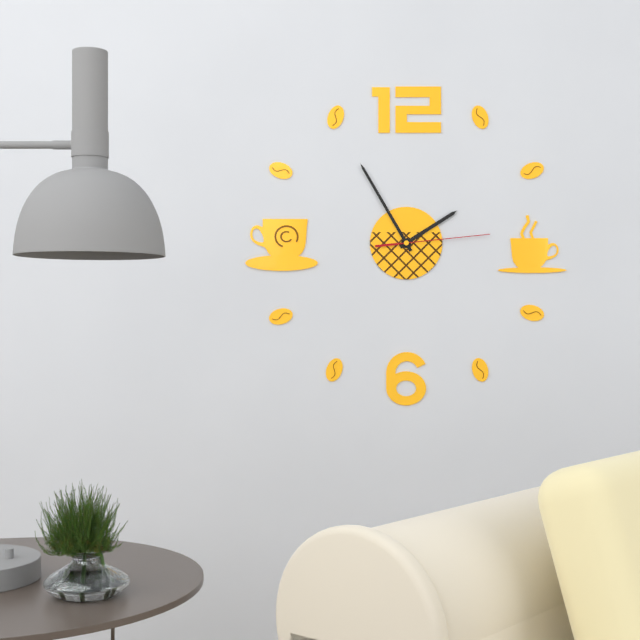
{"hour": 1, "minute": 55, "second": 14}
